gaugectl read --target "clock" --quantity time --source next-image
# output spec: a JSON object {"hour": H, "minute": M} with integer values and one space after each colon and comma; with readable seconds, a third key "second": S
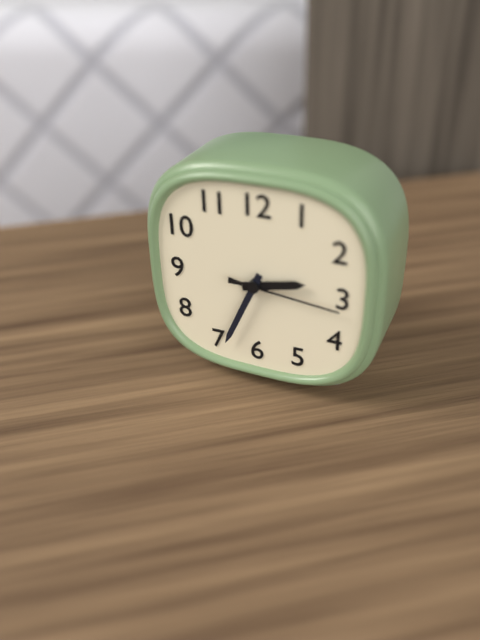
{"hour": 2, "minute": 34, "second": 16}
